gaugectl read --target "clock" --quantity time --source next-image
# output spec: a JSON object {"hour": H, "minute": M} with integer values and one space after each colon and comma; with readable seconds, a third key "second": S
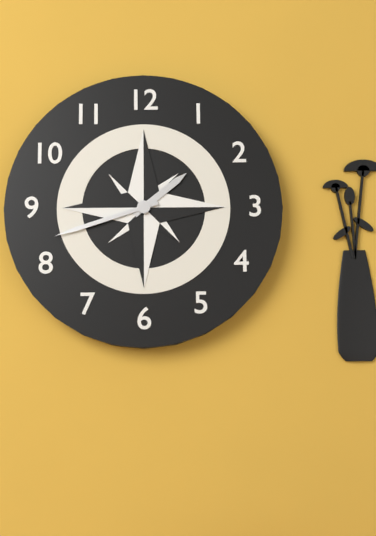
{"hour": 1, "minute": 42}
